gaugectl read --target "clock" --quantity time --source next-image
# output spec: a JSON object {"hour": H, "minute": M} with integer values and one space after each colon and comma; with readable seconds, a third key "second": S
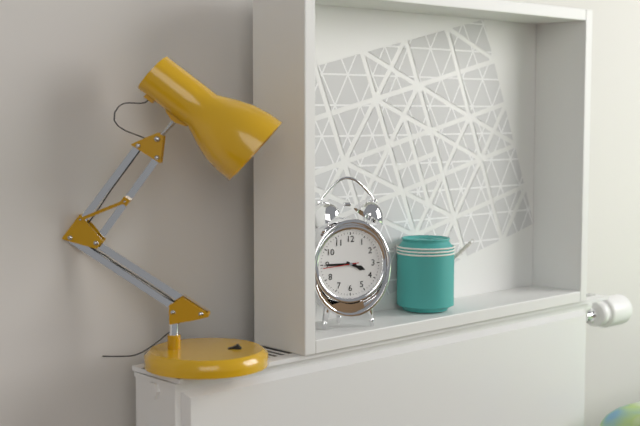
{"hour": 3, "minute": 45}
